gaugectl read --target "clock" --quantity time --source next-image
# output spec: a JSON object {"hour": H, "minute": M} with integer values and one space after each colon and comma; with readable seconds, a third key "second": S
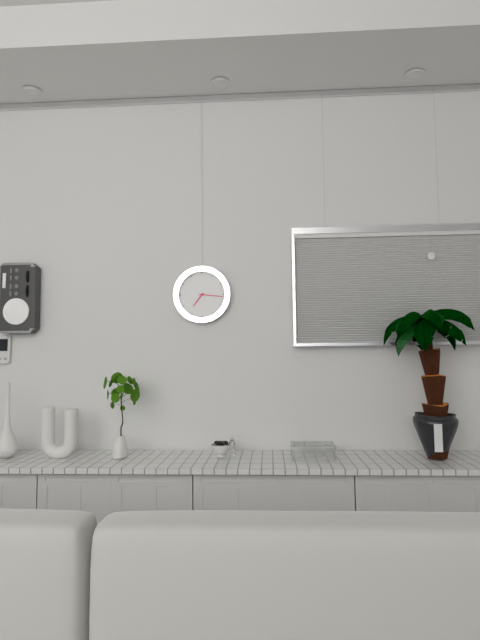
{"hour": 7, "minute": 16}
